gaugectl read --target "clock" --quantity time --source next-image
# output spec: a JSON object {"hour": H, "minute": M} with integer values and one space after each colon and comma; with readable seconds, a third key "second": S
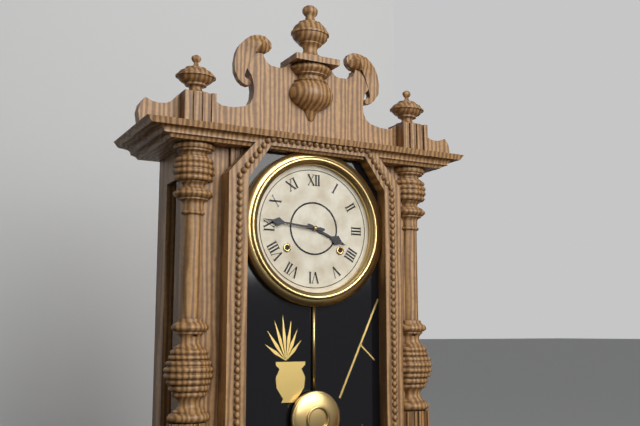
{"hour": 3, "minute": 46}
